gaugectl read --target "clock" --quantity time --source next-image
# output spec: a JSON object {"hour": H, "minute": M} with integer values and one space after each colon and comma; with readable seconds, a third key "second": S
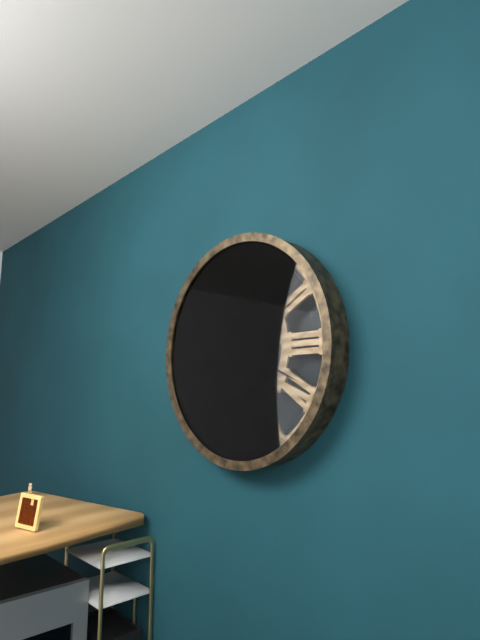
{"hour": 2, "minute": 19}
